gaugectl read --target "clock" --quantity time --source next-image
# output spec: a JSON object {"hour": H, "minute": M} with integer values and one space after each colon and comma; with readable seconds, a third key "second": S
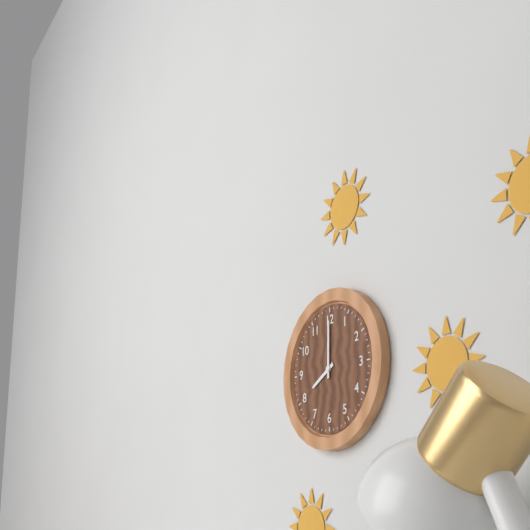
{"hour": 8, "minute": 0}
